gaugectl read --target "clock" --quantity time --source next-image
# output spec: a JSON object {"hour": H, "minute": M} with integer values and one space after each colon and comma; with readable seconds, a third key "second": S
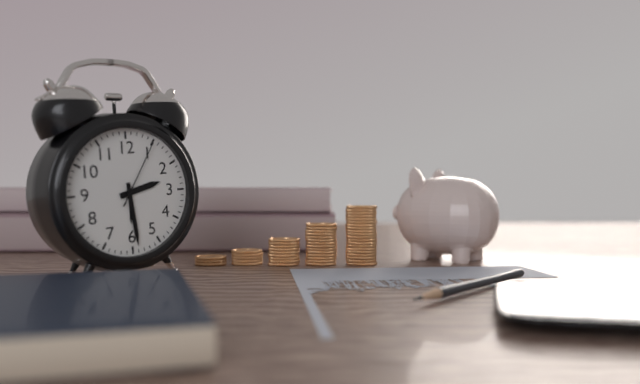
{"hour": 2, "minute": 29, "second": 5}
